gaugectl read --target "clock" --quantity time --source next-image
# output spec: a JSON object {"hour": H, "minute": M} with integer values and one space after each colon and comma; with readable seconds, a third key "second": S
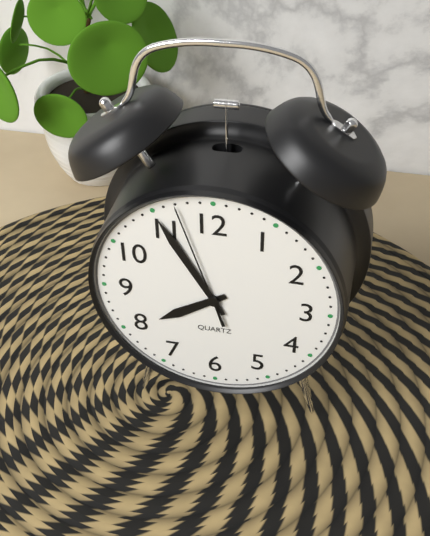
{"hour": 7, "minute": 55, "second": 57}
